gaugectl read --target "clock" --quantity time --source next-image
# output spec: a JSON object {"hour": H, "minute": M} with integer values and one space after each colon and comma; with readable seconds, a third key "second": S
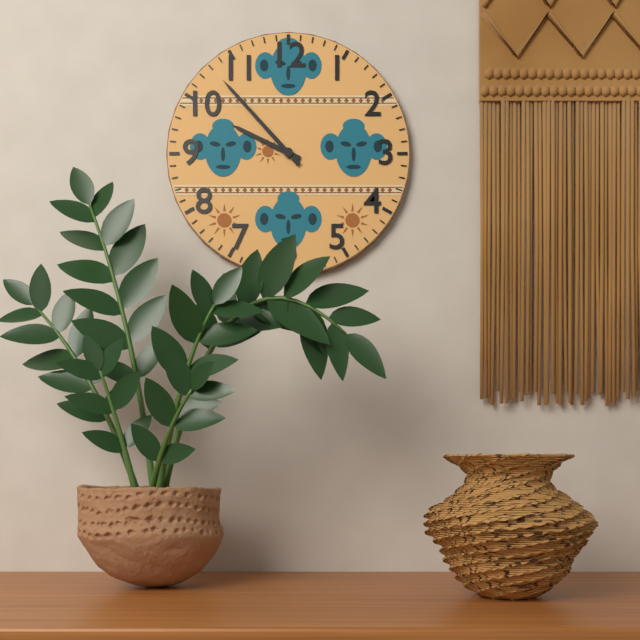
{"hour": 9, "minute": 53}
